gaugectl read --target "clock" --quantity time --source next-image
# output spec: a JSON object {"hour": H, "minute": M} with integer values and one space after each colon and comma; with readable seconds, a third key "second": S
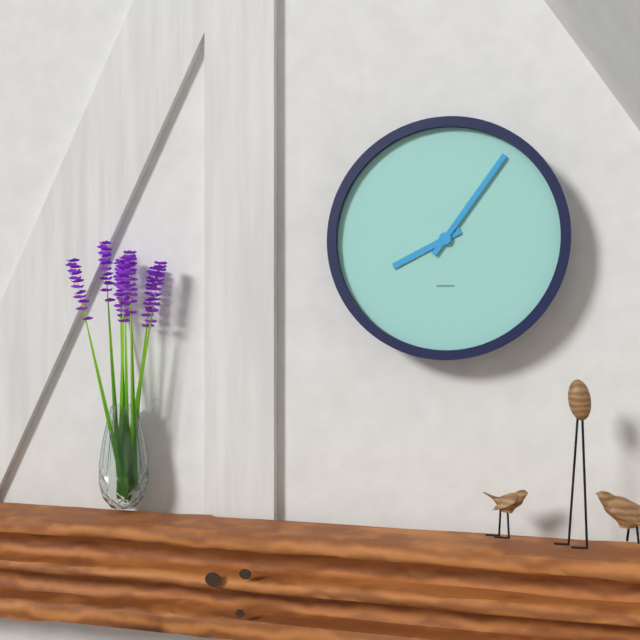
{"hour": 8, "minute": 6}
